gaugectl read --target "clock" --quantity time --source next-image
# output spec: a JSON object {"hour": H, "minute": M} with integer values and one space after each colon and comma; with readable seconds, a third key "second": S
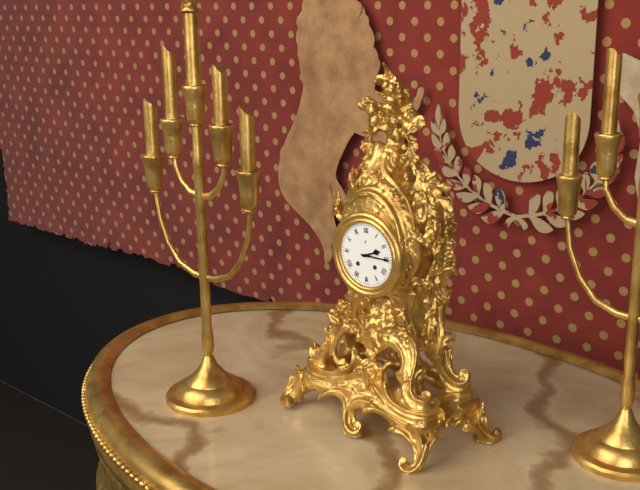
{"hour": 2, "minute": 15}
